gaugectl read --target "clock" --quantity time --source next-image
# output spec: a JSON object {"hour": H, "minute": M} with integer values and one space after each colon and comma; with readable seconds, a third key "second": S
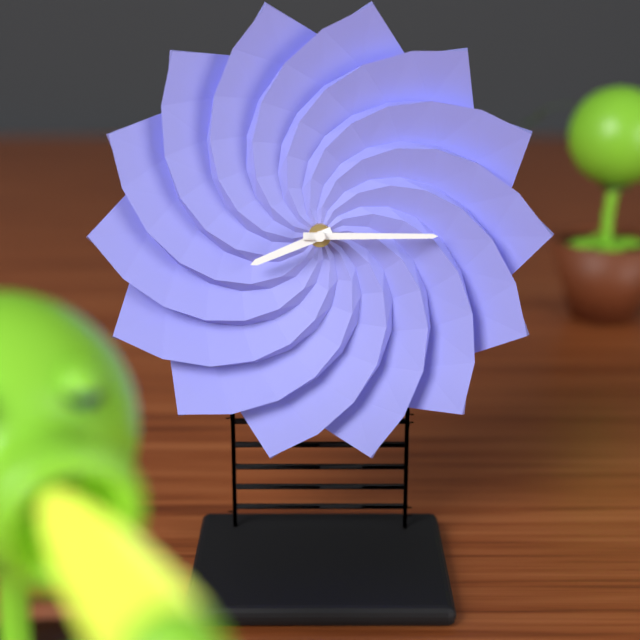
{"hour": 8, "minute": 15}
